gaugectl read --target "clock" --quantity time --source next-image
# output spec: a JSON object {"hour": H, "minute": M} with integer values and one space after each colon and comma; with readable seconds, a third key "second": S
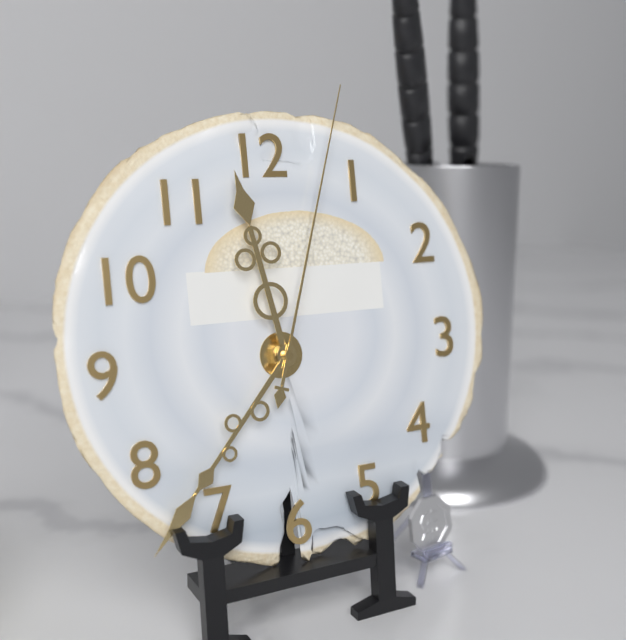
{"hour": 11, "minute": 37, "second": 3}
